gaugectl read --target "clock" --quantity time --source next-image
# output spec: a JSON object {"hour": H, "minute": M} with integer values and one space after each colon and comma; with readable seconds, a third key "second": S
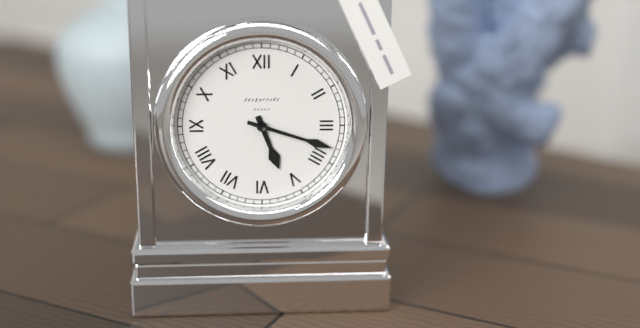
{"hour": 5, "minute": 18}
